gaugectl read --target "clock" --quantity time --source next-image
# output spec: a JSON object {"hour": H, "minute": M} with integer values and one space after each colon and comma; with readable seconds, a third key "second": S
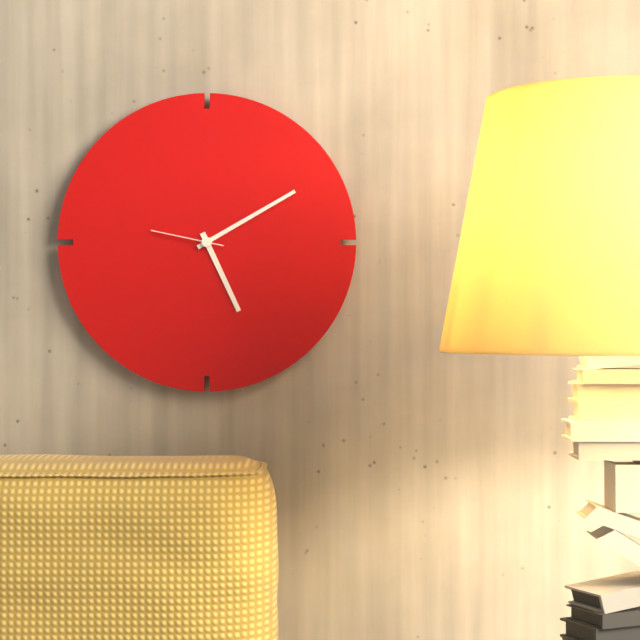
{"hour": 5, "minute": 10, "second": 47}
